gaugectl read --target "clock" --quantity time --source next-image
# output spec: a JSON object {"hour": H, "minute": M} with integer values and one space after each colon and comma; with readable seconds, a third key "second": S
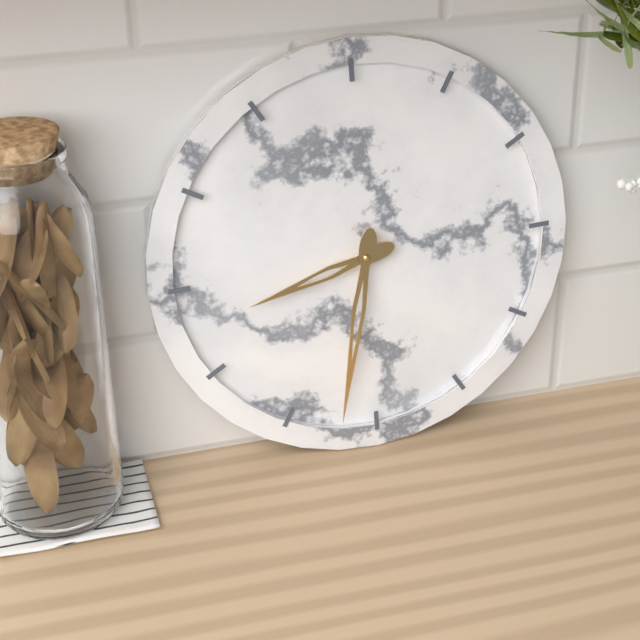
{"hour": 8, "minute": 32}
